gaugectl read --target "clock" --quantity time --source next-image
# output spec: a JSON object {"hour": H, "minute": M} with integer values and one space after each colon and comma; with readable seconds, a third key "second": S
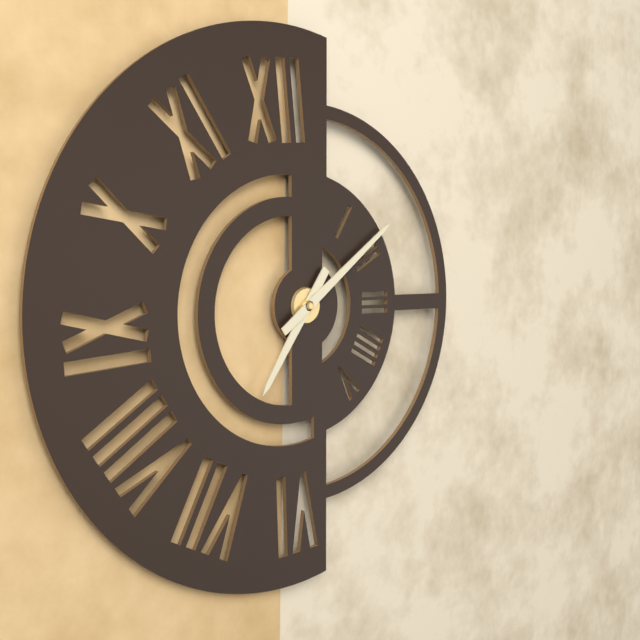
{"hour": 7, "minute": 9}
